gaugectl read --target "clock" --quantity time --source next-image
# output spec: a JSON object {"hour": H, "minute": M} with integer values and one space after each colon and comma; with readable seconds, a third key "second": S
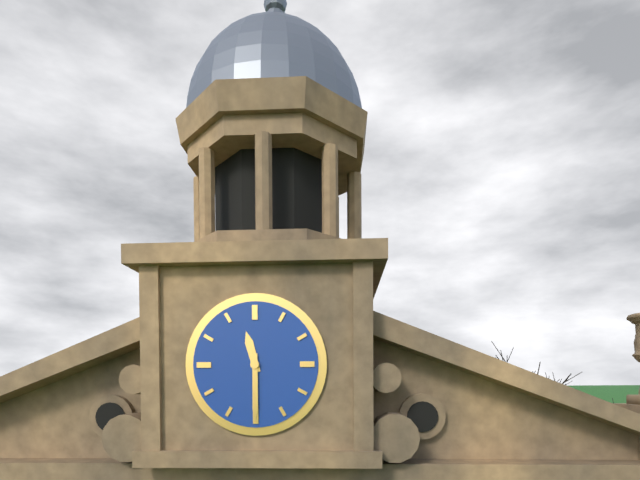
{"hour": 11, "minute": 30}
